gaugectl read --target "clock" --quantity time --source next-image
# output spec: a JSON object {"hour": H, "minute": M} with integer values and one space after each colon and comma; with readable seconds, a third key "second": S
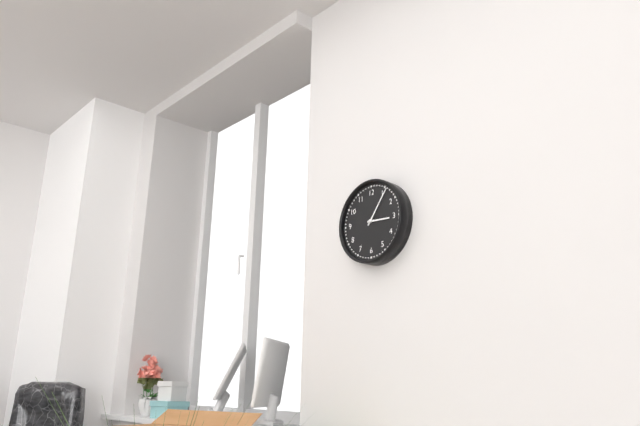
{"hour": 3, "minute": 6}
